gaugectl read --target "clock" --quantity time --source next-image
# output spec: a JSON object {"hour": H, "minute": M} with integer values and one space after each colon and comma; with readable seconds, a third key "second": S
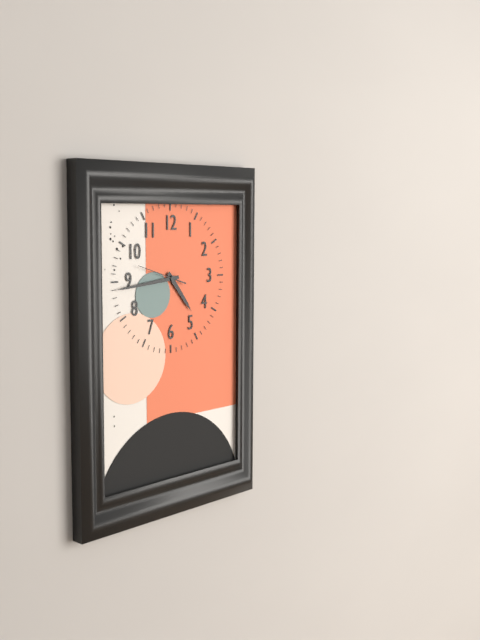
{"hour": 4, "minute": 44}
